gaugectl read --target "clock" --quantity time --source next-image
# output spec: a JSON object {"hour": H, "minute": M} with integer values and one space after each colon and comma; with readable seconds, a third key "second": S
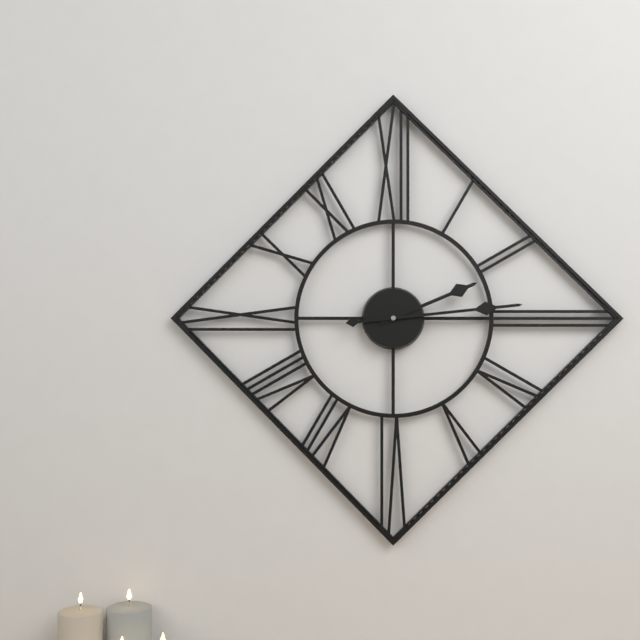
{"hour": 2, "minute": 14}
